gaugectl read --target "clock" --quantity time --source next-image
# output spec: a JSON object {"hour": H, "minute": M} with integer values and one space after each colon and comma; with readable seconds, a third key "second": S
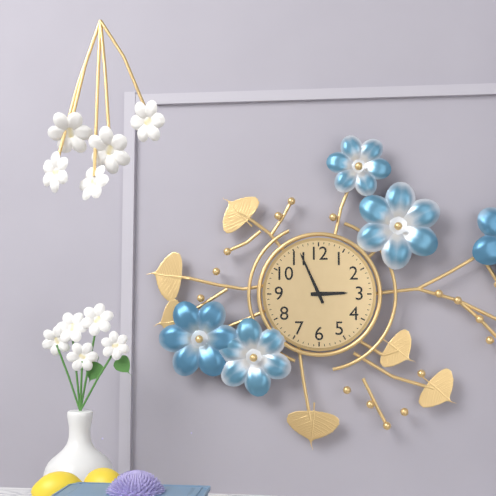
{"hour": 2, "minute": 56}
